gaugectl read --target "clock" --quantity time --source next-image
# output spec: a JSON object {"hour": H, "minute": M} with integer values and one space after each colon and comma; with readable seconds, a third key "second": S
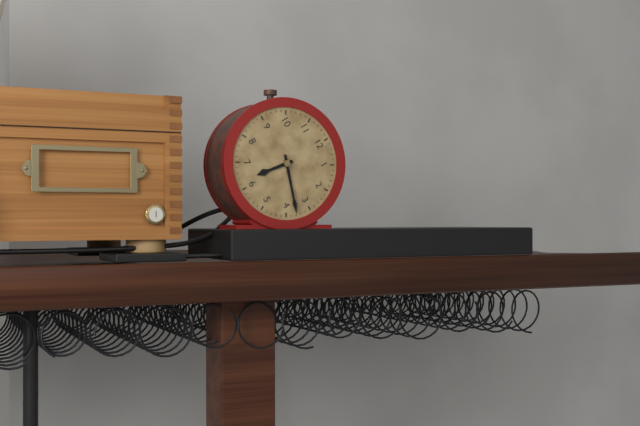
{"hour": 6, "minute": 18}
